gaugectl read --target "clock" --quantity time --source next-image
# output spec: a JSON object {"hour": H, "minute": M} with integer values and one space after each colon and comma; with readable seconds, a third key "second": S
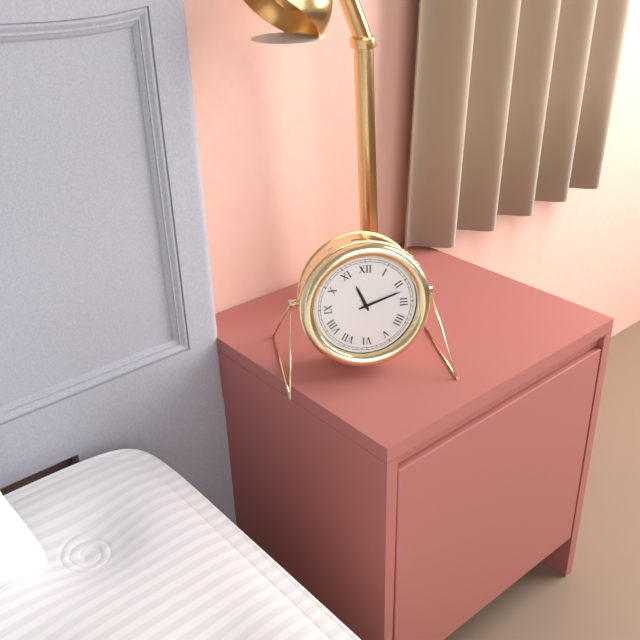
{"hour": 11, "minute": 12}
